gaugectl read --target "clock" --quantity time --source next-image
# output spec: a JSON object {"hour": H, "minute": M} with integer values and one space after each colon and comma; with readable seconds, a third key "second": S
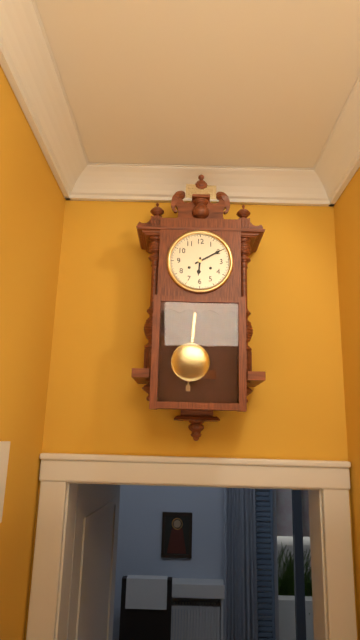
{"hour": 6, "minute": 10}
